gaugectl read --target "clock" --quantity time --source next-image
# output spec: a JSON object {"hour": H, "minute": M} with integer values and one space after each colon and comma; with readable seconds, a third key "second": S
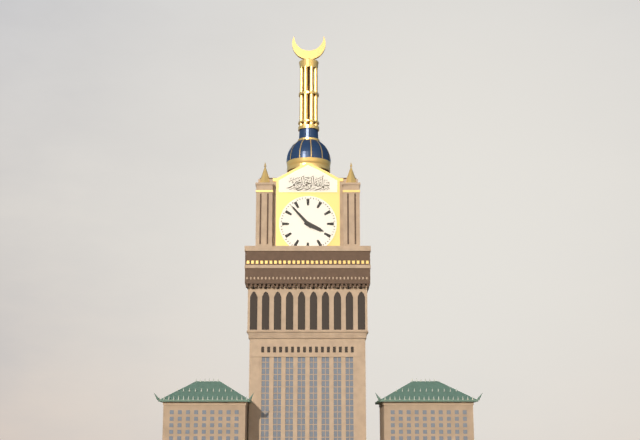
{"hour": 3, "minute": 53}
